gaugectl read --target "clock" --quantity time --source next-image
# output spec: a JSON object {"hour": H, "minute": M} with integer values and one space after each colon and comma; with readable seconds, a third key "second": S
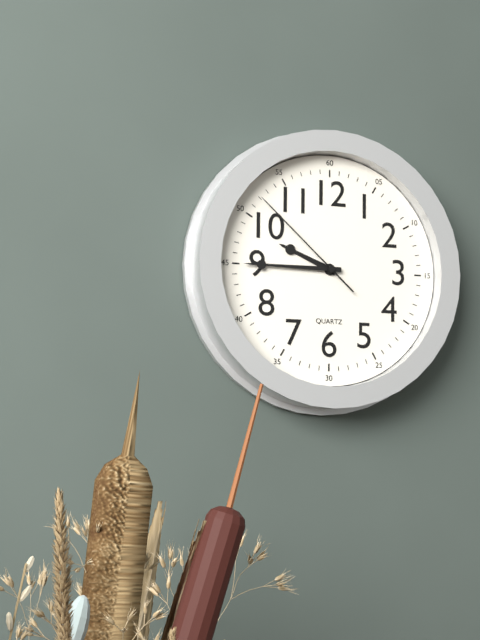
{"hour": 9, "minute": 45, "second": 52}
